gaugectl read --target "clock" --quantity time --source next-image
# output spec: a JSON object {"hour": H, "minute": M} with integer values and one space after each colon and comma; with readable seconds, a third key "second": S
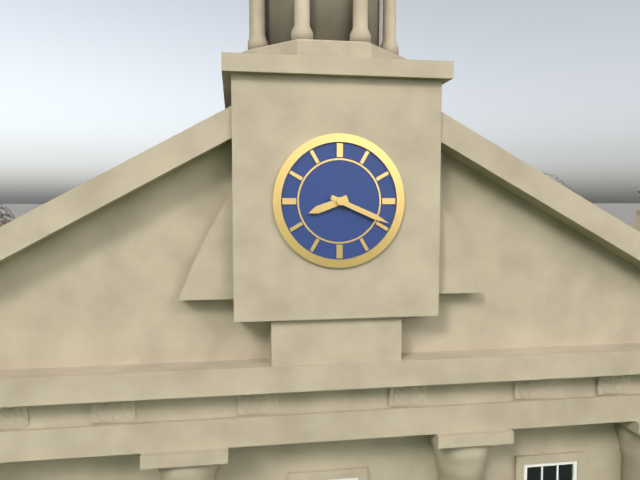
{"hour": 8, "minute": 19}
